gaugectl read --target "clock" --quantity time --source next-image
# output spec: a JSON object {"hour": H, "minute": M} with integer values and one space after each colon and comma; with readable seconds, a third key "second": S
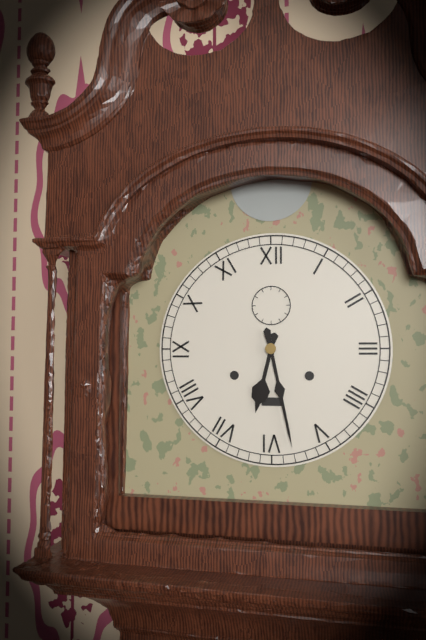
{"hour": 6, "minute": 28}
